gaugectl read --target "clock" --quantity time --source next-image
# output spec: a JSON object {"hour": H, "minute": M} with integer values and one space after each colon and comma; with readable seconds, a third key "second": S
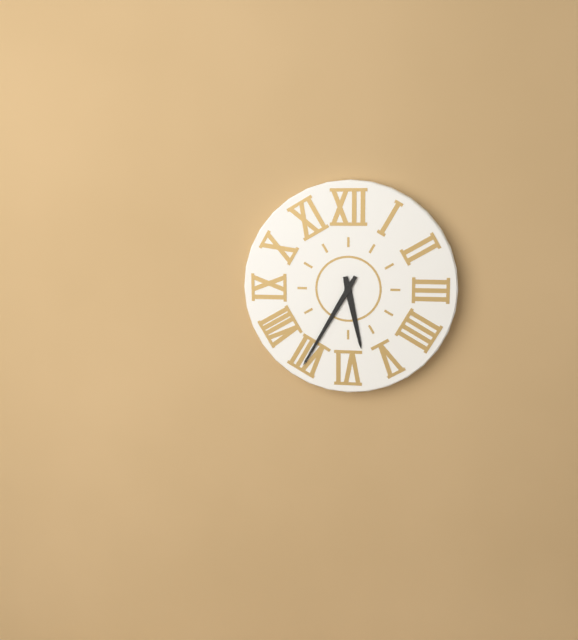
{"hour": 5, "minute": 35}
